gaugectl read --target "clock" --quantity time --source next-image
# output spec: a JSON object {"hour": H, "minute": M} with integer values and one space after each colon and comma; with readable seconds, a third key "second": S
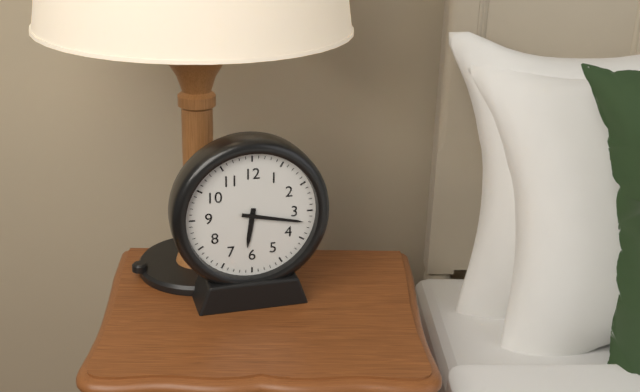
{"hour": 6, "minute": 17}
